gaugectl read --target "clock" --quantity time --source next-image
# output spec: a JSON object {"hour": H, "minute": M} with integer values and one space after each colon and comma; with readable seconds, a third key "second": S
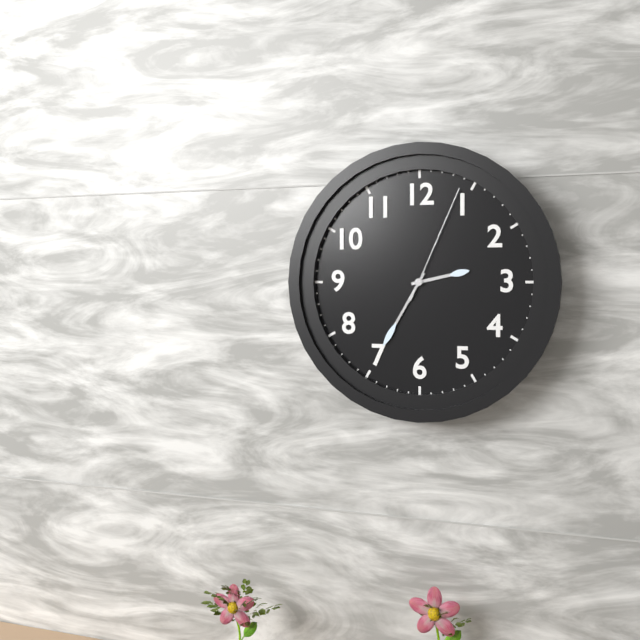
{"hour": 2, "minute": 35, "second": 4}
